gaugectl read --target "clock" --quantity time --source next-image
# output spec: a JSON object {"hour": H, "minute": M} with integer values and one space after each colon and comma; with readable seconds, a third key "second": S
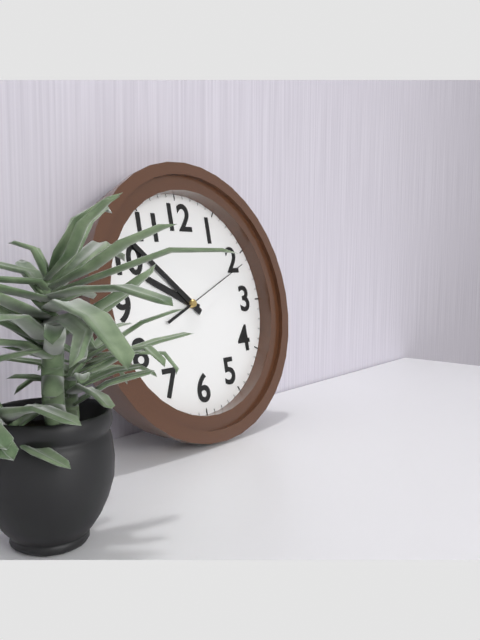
{"hour": 9, "minute": 52, "second": 11}
